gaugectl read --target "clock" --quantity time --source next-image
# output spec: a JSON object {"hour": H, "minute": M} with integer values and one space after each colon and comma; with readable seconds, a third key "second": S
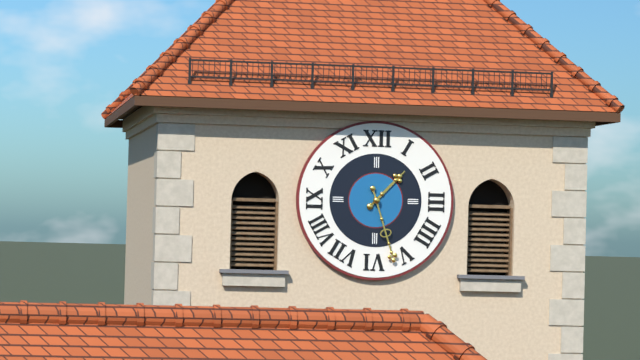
{"hour": 1, "minute": 27}
